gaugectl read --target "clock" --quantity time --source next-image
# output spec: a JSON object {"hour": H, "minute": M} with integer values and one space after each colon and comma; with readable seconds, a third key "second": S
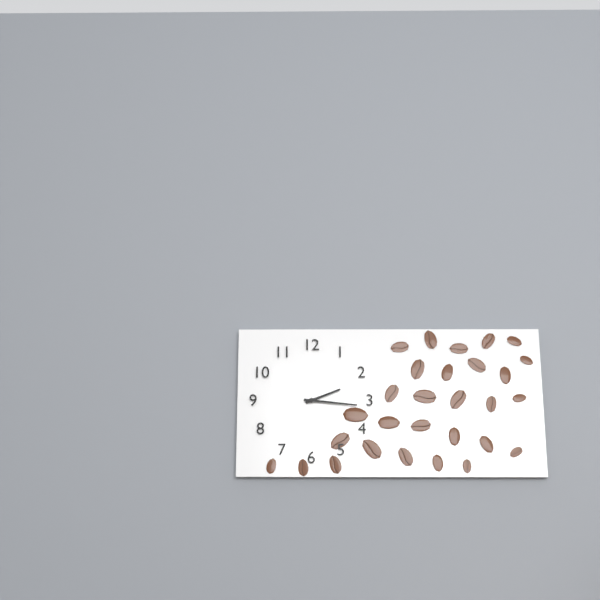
{"hour": 2, "minute": 16}
